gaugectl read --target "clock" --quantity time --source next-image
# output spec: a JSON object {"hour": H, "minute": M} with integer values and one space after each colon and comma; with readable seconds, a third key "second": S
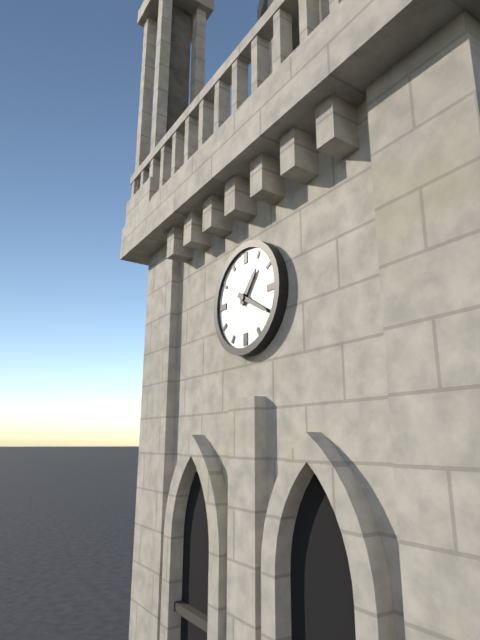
{"hour": 1, "minute": 20}
